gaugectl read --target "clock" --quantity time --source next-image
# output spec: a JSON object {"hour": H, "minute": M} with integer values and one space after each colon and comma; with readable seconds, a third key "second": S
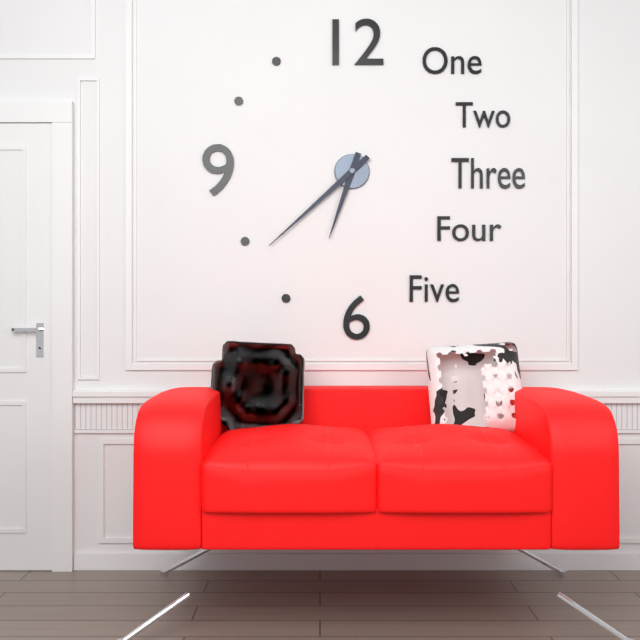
{"hour": 6, "minute": 38}
